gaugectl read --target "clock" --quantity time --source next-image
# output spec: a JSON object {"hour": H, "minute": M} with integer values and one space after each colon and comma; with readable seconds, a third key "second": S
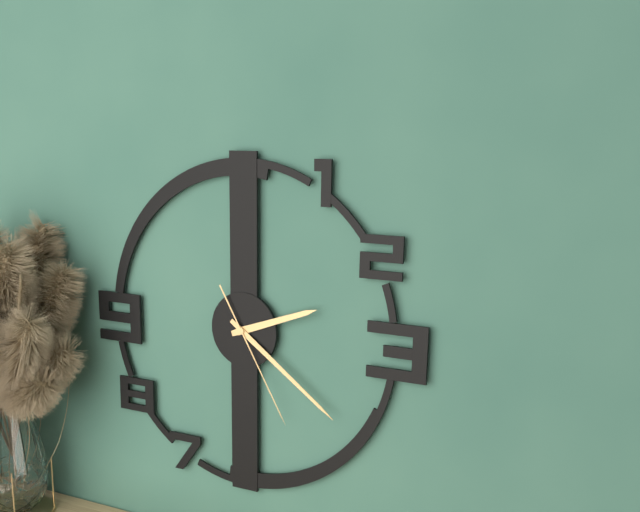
{"hour": 2, "minute": 21, "second": 25}
